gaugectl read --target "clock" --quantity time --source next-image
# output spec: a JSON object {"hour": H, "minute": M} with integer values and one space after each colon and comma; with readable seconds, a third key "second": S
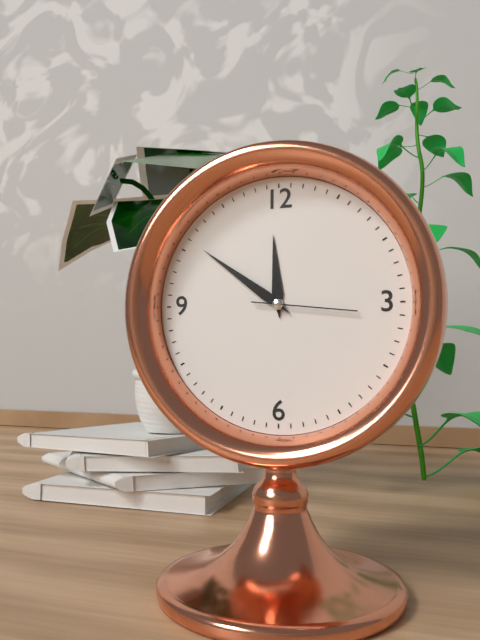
{"hour": 11, "minute": 51, "second": 16}
